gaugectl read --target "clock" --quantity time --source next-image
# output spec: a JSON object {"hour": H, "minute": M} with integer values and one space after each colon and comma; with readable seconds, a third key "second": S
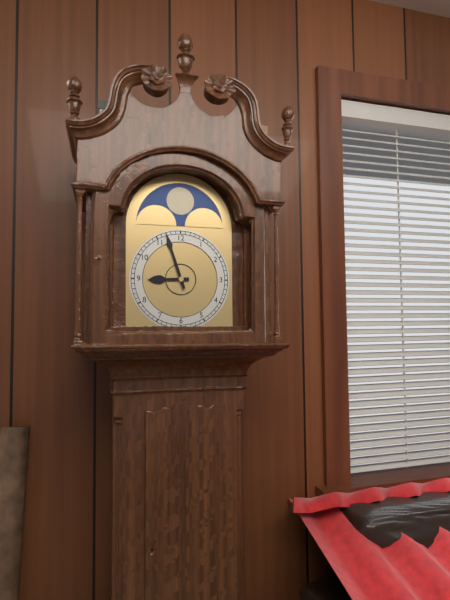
{"hour": 8, "minute": 57}
